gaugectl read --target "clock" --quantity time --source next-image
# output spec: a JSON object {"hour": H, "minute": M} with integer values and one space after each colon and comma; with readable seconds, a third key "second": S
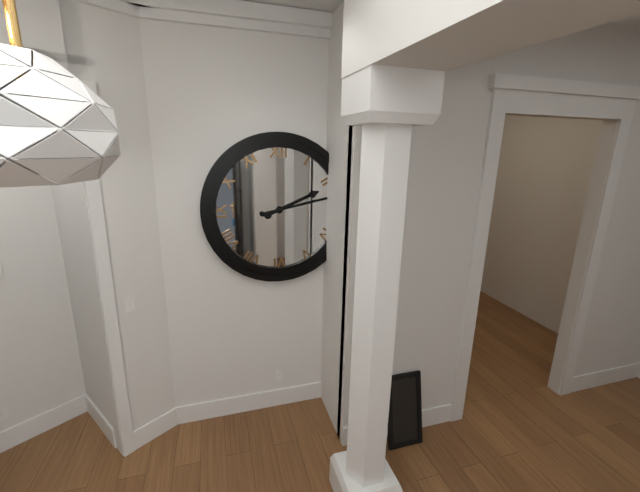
{"hour": 2, "minute": 13}
